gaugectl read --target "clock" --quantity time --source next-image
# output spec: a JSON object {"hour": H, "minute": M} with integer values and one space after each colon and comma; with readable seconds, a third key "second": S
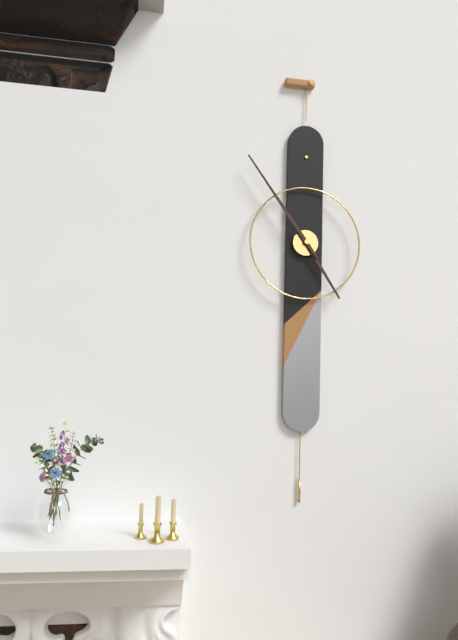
{"hour": 4, "minute": 54}
